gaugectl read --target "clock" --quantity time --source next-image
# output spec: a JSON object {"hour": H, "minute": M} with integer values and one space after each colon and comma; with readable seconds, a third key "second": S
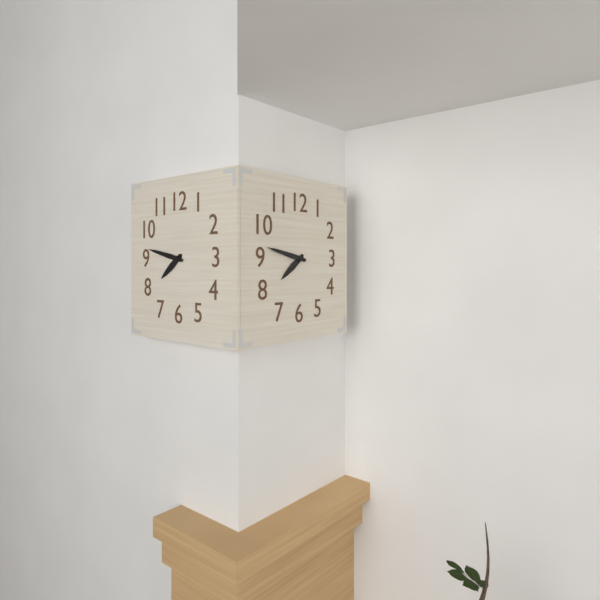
{"hour": 7, "minute": 47}
